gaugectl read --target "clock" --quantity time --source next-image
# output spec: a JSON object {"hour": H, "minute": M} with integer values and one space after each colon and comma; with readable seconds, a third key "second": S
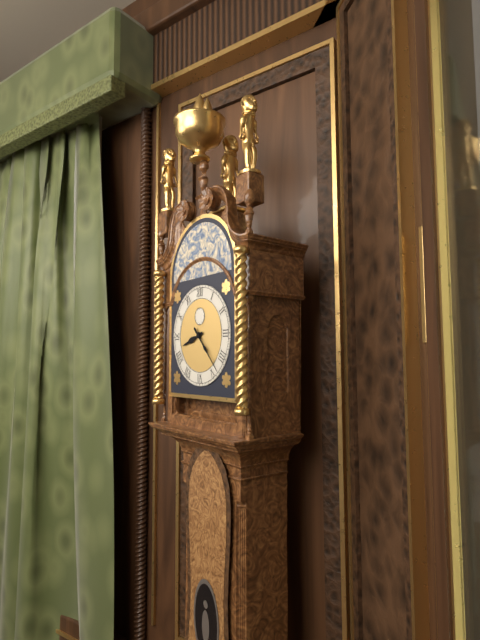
{"hour": 8, "minute": 23}
